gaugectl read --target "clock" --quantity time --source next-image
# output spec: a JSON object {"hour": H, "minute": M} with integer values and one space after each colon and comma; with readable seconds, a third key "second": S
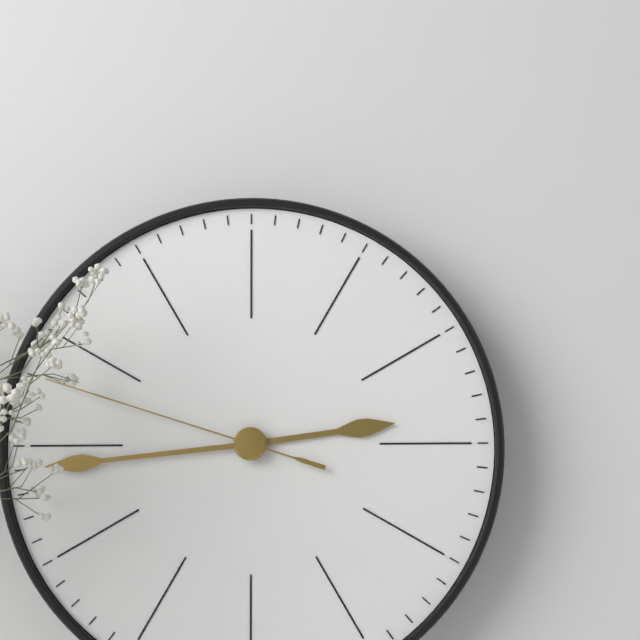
{"hour": 2, "minute": 44, "second": 48}
